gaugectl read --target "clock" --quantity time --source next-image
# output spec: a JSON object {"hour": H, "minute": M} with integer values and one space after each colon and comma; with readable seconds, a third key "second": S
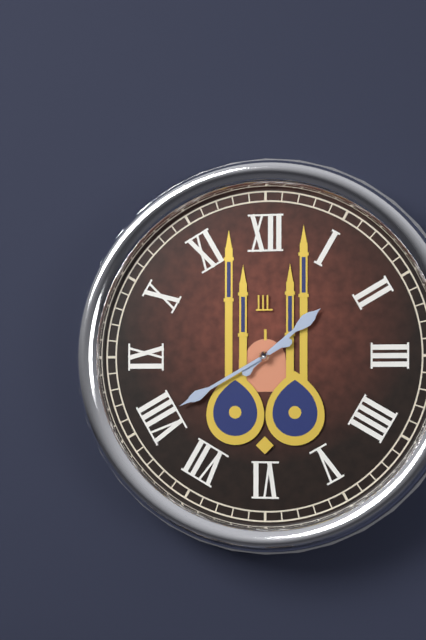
{"hour": 1, "minute": 40}
